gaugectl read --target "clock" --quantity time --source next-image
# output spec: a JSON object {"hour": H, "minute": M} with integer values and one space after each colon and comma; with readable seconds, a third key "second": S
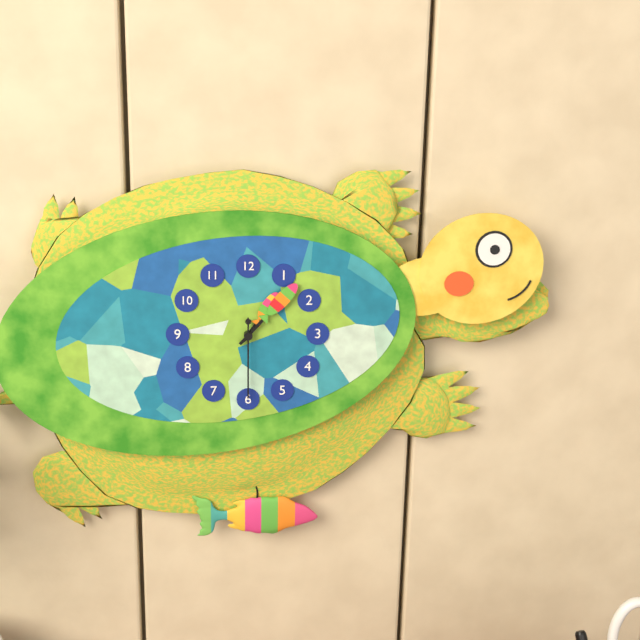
{"hour": 1, "minute": 7, "second": 30}
